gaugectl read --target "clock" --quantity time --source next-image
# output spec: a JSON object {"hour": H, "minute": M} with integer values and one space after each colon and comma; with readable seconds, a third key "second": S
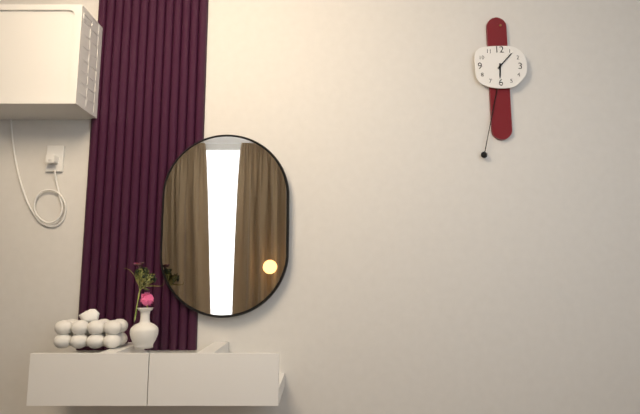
{"hour": 6, "minute": 7}
